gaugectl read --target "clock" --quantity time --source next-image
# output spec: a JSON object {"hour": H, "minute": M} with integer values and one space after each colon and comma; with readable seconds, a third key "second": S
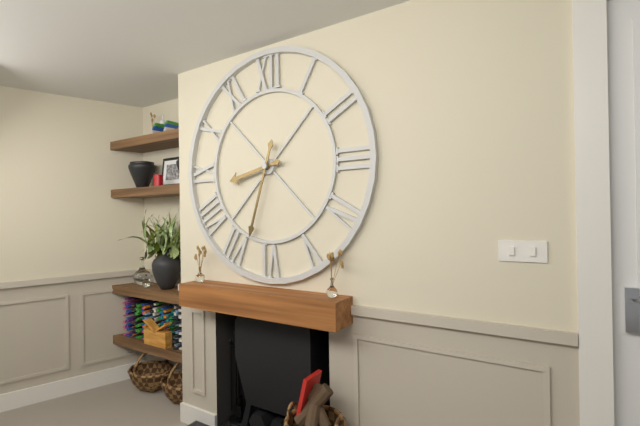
{"hour": 8, "minute": 33}
